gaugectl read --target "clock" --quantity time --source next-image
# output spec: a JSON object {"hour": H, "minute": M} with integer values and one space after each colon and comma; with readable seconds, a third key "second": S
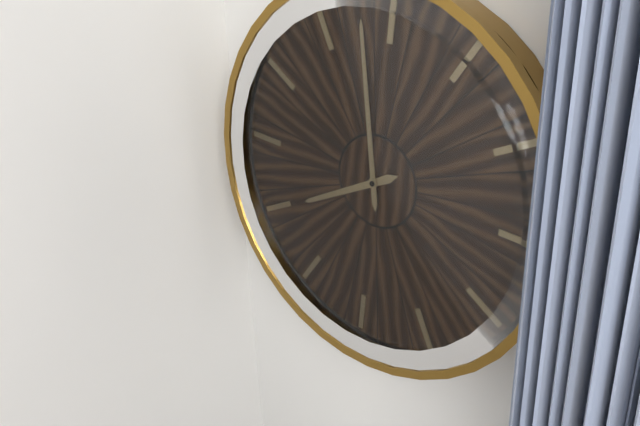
{"hour": 7, "minute": 58}
